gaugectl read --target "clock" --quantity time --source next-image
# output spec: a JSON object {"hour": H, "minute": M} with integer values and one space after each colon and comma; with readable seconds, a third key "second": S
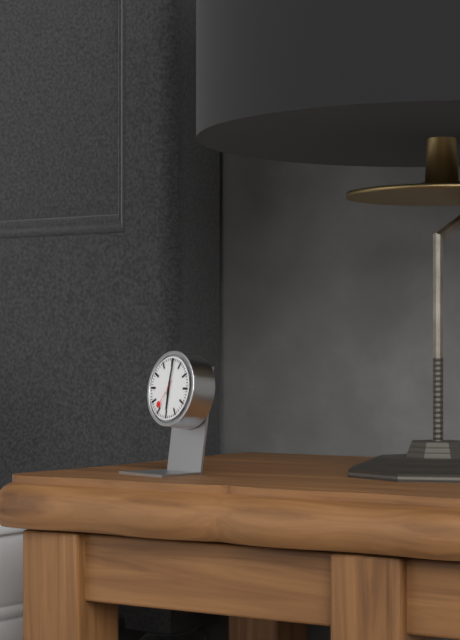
{"hour": 6, "minute": 1}
